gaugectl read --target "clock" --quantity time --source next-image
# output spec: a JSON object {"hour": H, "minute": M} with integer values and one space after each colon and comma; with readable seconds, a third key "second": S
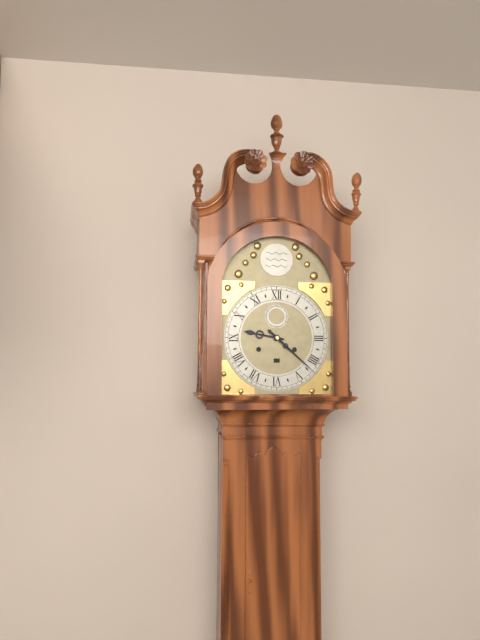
{"hour": 9, "minute": 22}
